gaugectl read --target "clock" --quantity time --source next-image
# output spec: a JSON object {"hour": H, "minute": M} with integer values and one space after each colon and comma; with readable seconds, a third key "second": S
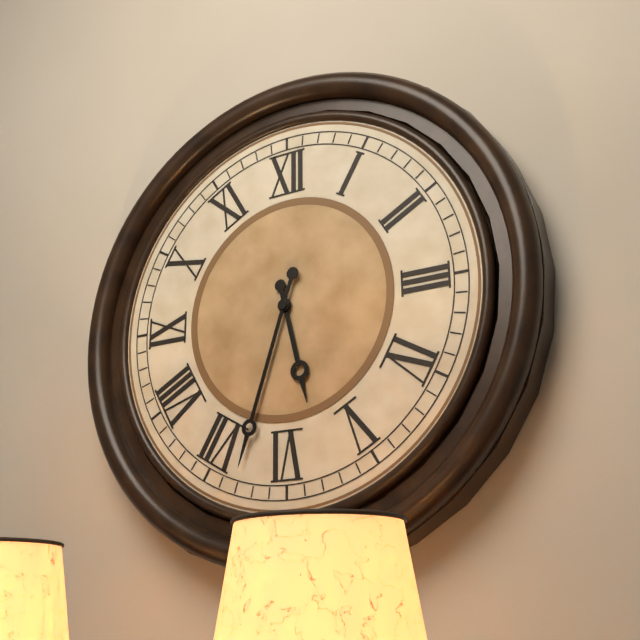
{"hour": 5, "minute": 33}
